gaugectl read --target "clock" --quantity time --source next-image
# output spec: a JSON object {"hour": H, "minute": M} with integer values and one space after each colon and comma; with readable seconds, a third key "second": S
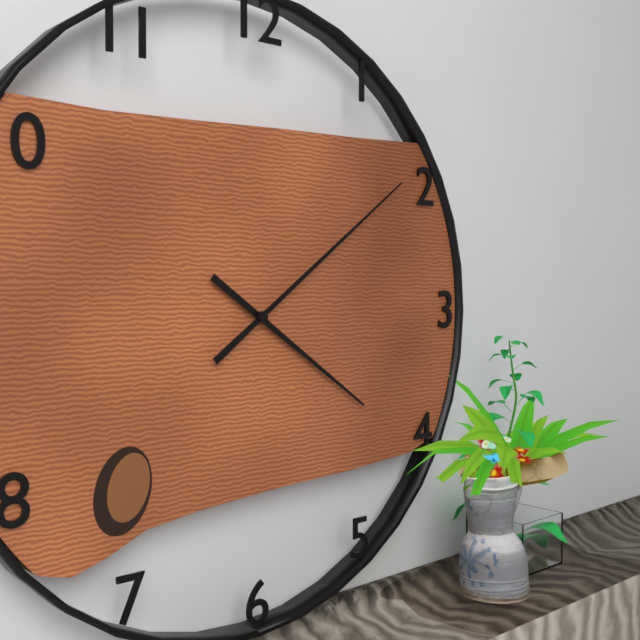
{"hour": 4, "minute": 9}
